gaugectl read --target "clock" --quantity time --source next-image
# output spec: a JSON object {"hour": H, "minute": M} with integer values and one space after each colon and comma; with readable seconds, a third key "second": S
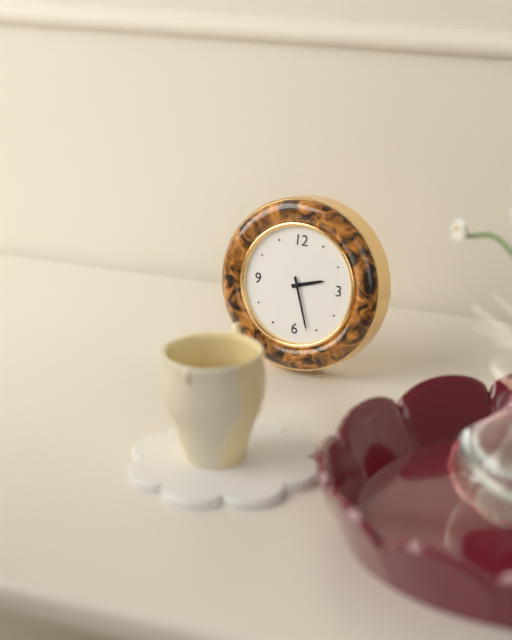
{"hour": 2, "minute": 27}
